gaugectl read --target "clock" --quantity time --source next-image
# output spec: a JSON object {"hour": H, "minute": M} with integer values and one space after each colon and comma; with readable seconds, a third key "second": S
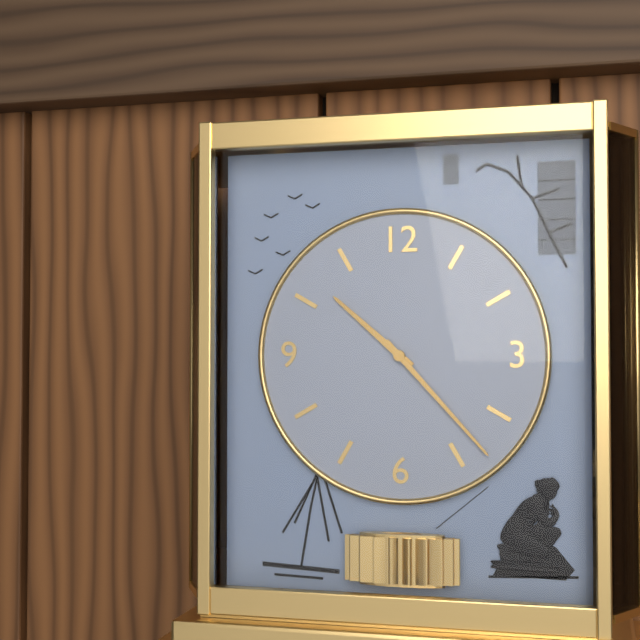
{"hour": 10, "minute": 23}
